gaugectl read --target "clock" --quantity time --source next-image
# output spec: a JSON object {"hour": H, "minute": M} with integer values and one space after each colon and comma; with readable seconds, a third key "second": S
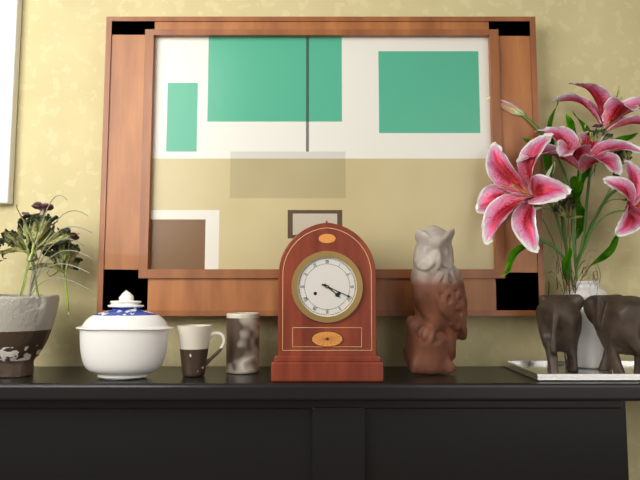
{"hour": 4, "minute": 19}
